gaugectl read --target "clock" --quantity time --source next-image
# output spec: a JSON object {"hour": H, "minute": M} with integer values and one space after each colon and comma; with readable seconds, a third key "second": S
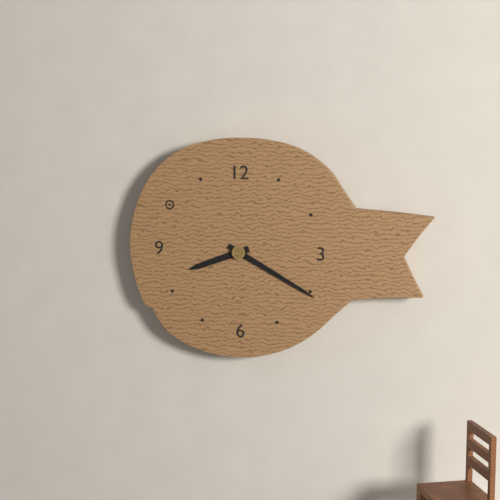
{"hour": 8, "minute": 20}
